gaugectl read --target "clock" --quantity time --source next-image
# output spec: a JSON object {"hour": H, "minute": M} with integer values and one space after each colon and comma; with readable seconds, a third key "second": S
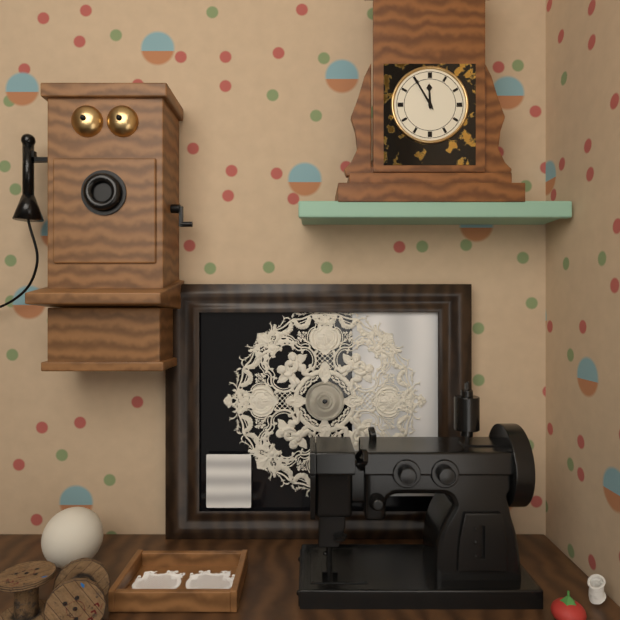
{"hour": 11, "minute": 55}
